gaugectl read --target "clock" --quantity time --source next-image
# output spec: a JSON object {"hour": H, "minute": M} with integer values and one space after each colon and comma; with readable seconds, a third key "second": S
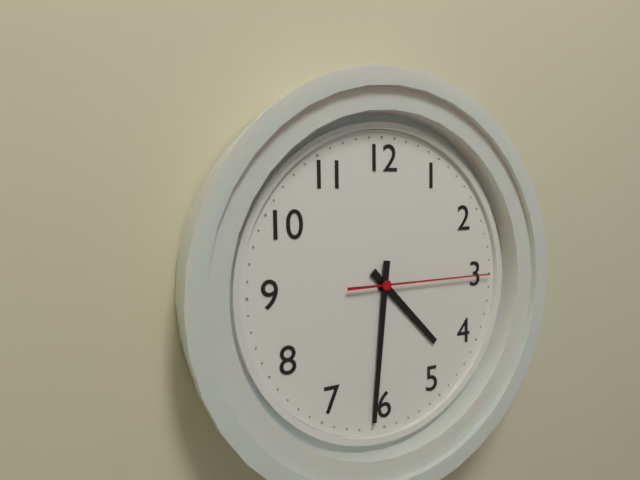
{"hour": 4, "minute": 31, "second": 15}
